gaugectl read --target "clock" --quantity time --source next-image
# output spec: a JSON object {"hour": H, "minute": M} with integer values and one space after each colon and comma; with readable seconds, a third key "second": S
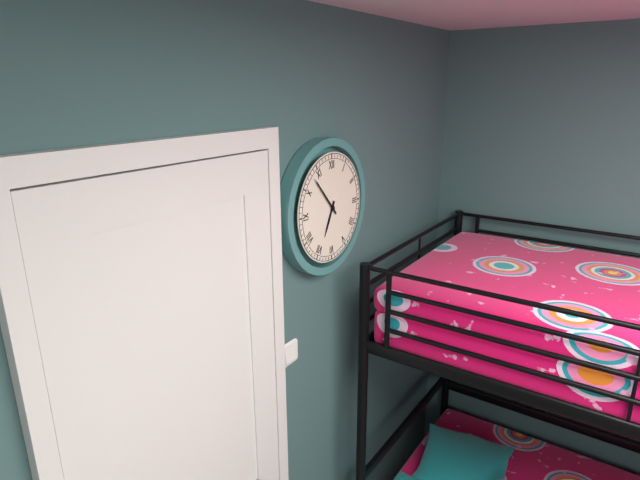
{"hour": 6, "minute": 53}
